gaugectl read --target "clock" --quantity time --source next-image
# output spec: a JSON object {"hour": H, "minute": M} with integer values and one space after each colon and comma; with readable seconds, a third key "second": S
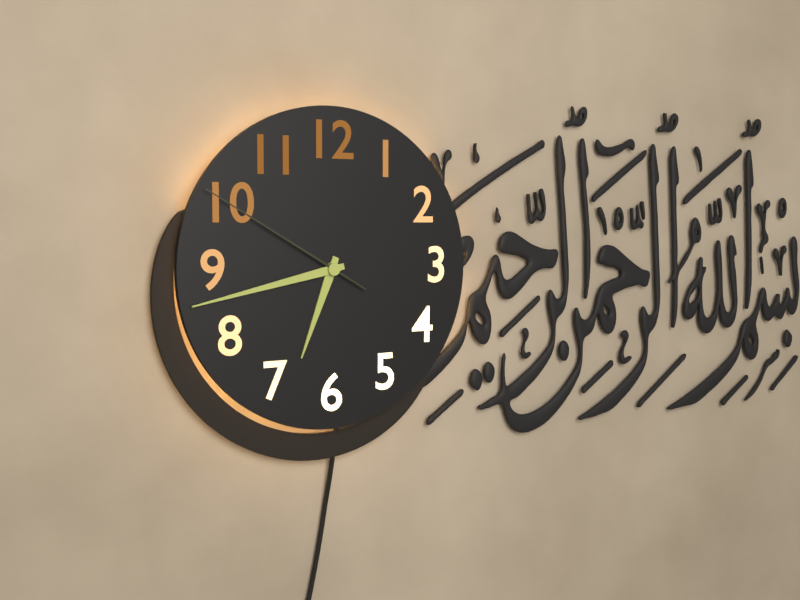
{"hour": 6, "minute": 43, "second": 50}
